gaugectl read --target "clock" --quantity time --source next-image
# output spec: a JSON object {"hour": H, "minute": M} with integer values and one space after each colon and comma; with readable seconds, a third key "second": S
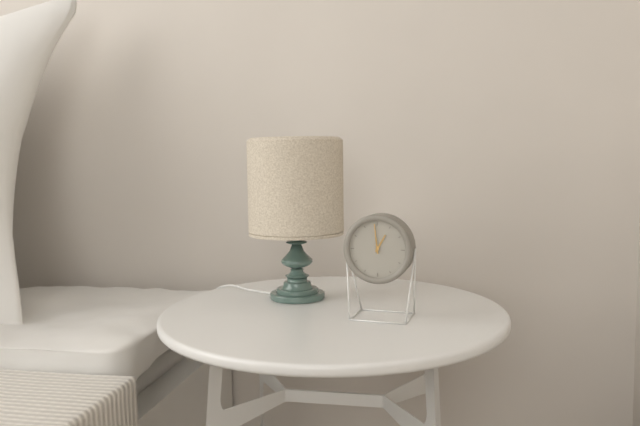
{"hour": 12, "minute": 59}
